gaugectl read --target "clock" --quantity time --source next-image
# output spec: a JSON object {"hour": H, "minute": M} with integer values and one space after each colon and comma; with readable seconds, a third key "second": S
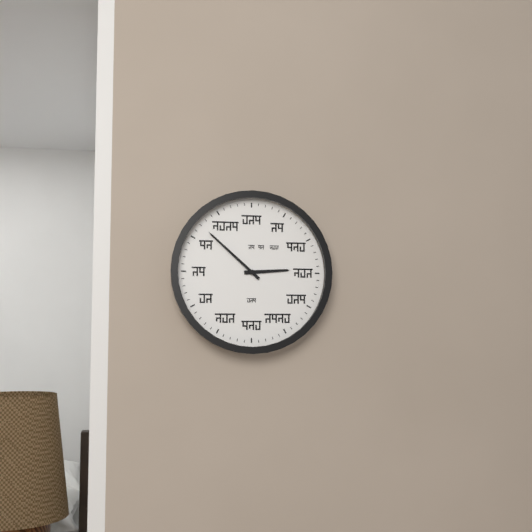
{"hour": 2, "minute": 52}
